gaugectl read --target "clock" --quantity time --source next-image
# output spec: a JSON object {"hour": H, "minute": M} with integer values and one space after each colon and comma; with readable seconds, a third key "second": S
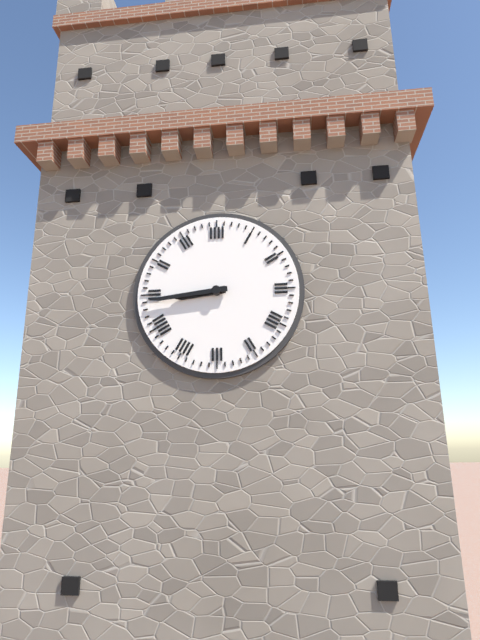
{"hour": 8, "minute": 44}
